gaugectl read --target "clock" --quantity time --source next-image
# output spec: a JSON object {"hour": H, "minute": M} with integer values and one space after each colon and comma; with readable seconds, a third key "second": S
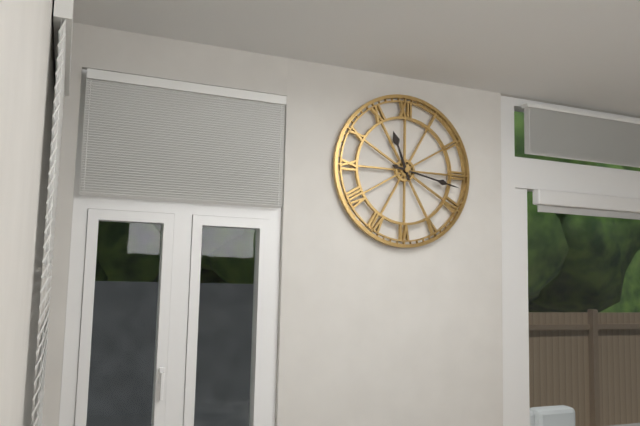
{"hour": 11, "minute": 17}
